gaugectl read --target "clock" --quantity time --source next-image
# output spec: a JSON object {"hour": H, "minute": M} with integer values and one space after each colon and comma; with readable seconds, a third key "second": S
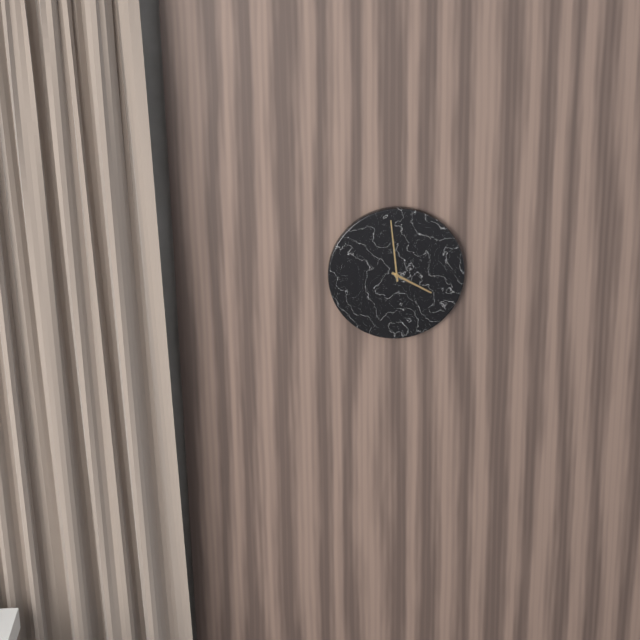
{"hour": 3, "minute": 59}
